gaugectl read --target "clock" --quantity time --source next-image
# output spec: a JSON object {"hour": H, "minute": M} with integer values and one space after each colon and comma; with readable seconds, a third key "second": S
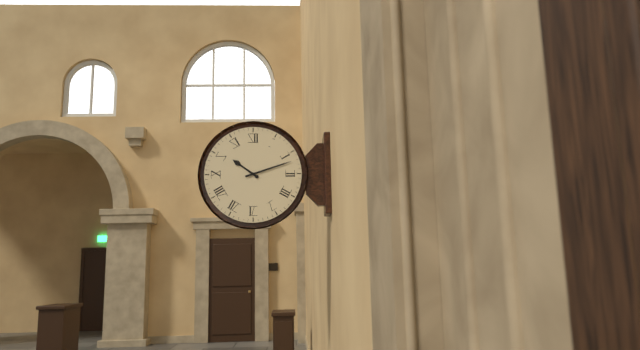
{"hour": 10, "minute": 12}
